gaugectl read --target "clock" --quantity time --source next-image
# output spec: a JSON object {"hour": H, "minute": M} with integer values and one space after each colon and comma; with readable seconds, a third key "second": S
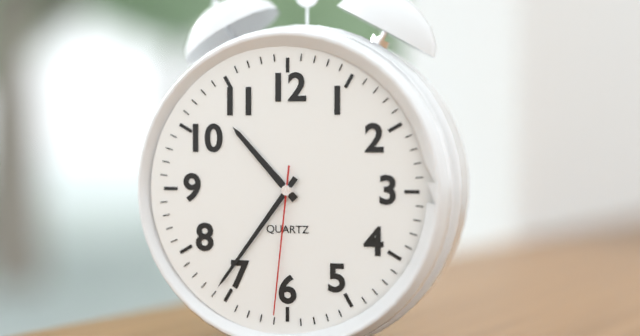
{"hour": 10, "minute": 36, "second": 31}
